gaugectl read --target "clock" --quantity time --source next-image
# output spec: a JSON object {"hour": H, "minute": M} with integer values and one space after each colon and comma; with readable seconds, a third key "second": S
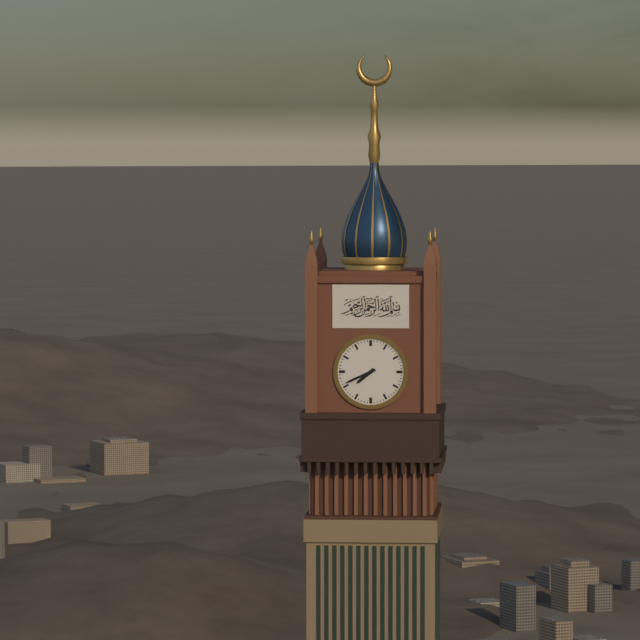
{"hour": 7, "minute": 41}
